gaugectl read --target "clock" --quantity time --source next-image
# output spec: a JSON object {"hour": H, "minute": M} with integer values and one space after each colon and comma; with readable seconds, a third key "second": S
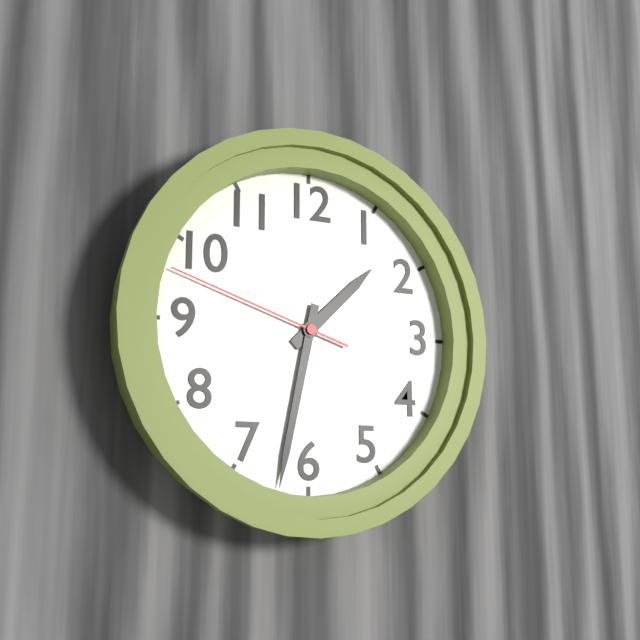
{"hour": 1, "minute": 32, "second": 48}
